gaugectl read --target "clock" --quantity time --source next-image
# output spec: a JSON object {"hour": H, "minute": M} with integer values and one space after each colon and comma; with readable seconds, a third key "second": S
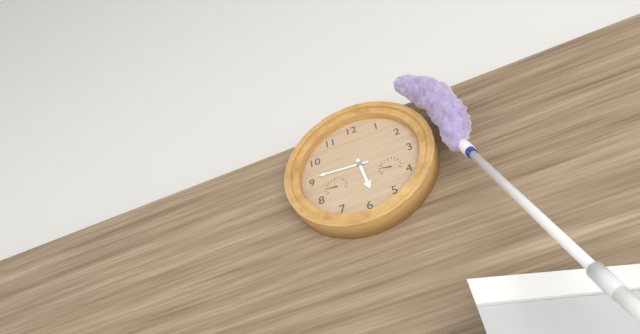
{"hour": 5, "minute": 46}
